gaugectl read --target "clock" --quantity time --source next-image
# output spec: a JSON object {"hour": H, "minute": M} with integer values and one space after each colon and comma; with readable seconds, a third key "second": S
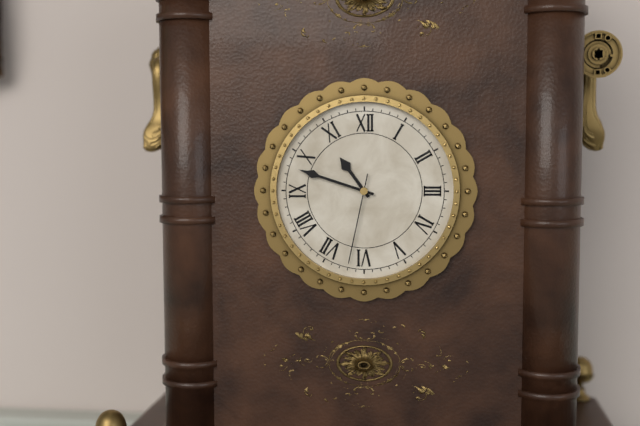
{"hour": 10, "minute": 48, "second": 32}
